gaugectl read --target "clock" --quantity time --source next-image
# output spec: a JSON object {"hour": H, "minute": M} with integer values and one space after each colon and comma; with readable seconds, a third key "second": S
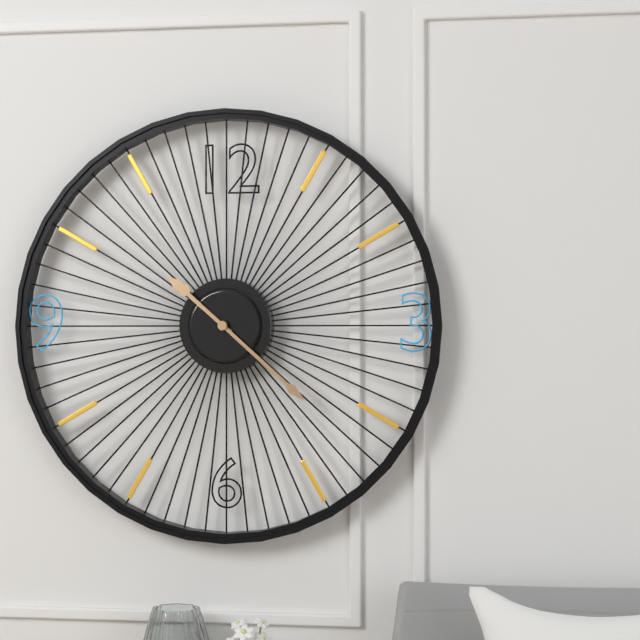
{"hour": 10, "minute": 22}
